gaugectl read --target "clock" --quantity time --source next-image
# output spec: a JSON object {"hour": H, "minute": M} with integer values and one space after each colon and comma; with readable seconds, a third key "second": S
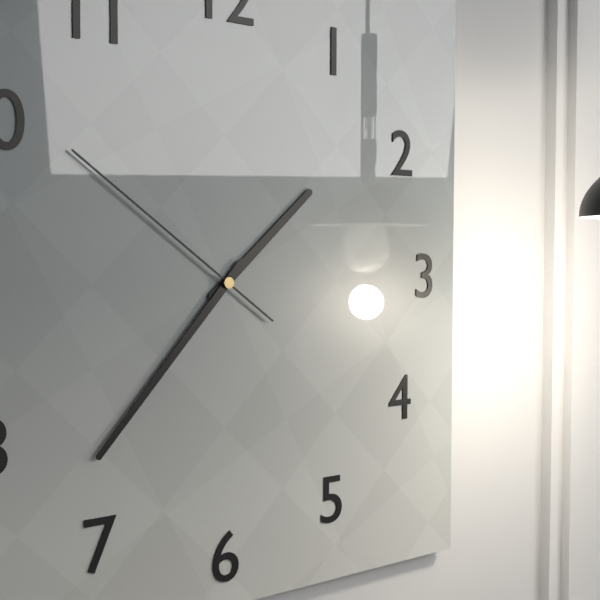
{"hour": 1, "minute": 37, "second": 51}
